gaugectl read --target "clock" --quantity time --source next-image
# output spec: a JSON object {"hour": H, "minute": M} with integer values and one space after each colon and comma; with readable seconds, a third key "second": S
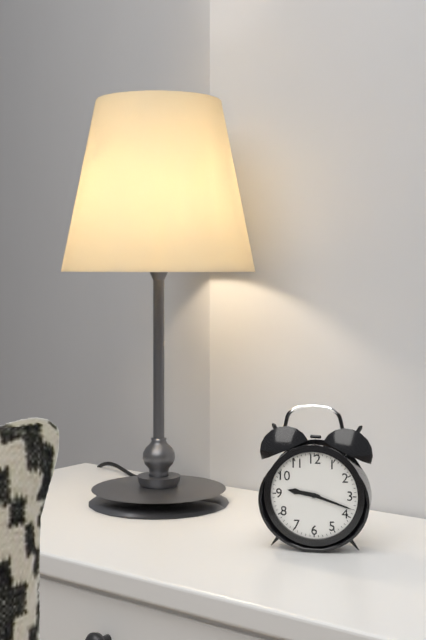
{"hour": 9, "minute": 18}
